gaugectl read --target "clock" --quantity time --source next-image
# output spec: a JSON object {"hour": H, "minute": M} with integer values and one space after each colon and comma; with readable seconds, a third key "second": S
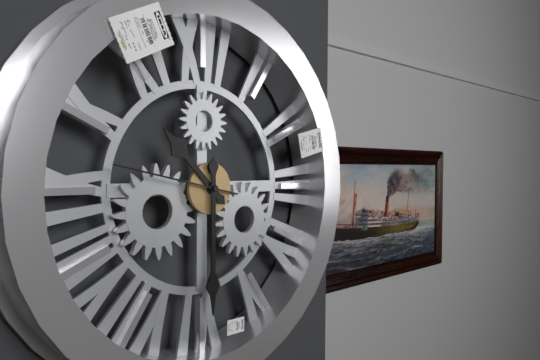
{"hour": 10, "minute": 30, "second": 47}
